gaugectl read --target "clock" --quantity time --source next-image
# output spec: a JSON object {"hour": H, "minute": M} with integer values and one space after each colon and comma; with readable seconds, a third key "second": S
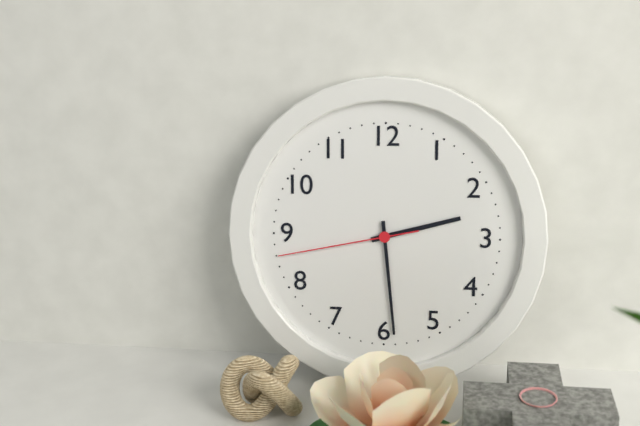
{"hour": 2, "minute": 29, "second": 43}
